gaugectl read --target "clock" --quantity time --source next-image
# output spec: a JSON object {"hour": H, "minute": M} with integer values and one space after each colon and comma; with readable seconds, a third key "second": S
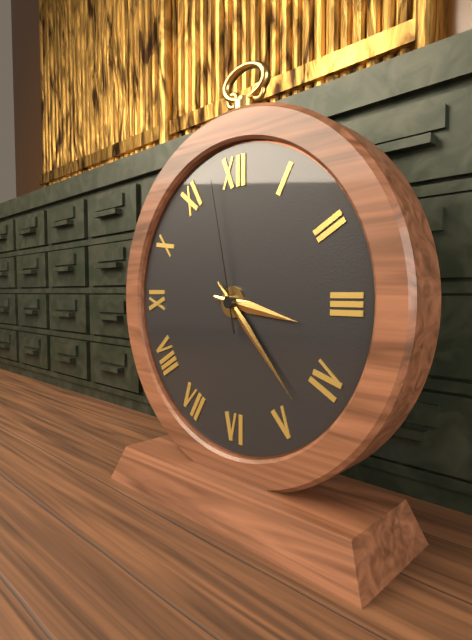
{"hour": 3, "minute": 23, "second": 58}
